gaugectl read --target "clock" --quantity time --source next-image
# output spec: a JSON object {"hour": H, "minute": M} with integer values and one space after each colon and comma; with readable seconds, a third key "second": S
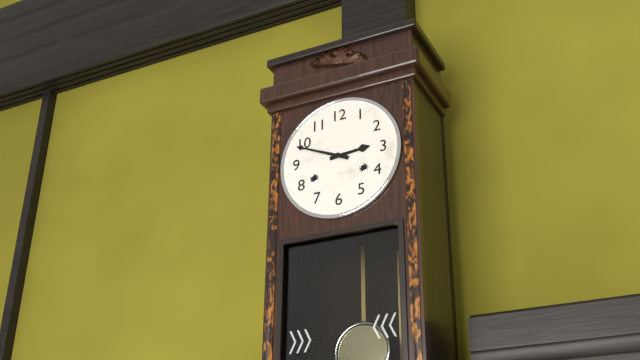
{"hour": 2, "minute": 49}
